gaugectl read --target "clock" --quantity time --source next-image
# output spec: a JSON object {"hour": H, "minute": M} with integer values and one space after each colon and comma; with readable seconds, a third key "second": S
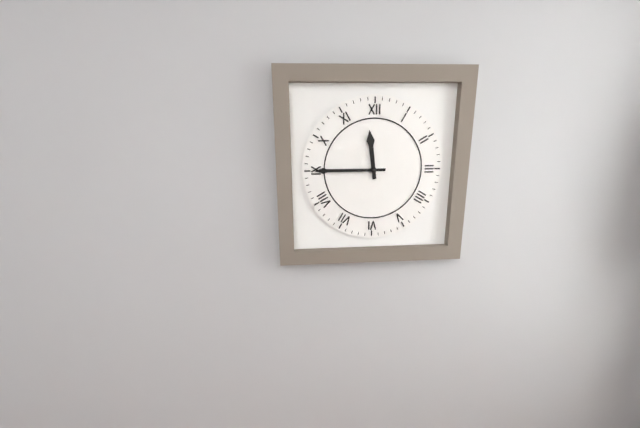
{"hour": 11, "minute": 45}
